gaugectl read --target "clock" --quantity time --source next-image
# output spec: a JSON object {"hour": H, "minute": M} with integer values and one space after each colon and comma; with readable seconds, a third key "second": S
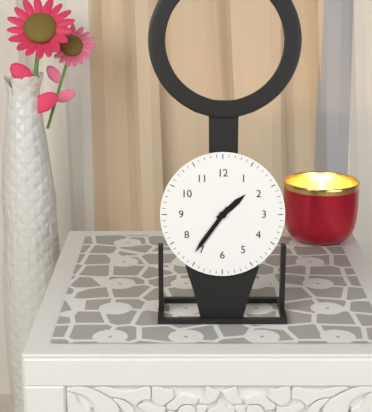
{"hour": 1, "minute": 36}
